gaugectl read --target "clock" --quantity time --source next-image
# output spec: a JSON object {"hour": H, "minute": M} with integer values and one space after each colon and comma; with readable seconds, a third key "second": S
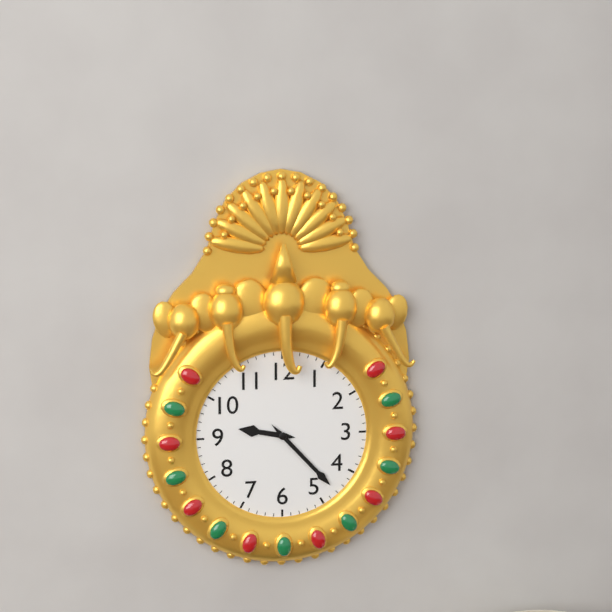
{"hour": 9, "minute": 23}
